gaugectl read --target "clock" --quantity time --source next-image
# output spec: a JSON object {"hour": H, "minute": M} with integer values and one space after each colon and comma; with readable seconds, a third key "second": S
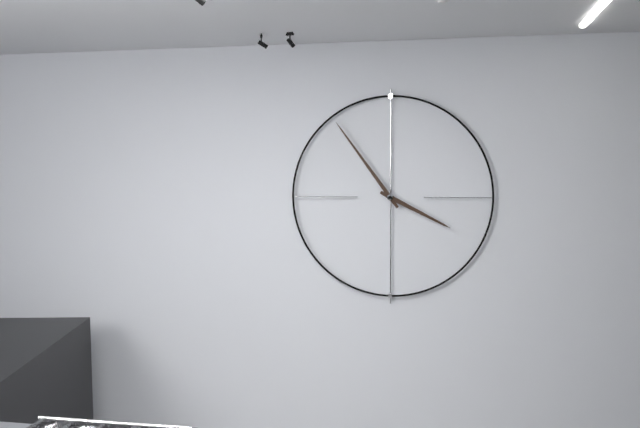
{"hour": 3, "minute": 54}
